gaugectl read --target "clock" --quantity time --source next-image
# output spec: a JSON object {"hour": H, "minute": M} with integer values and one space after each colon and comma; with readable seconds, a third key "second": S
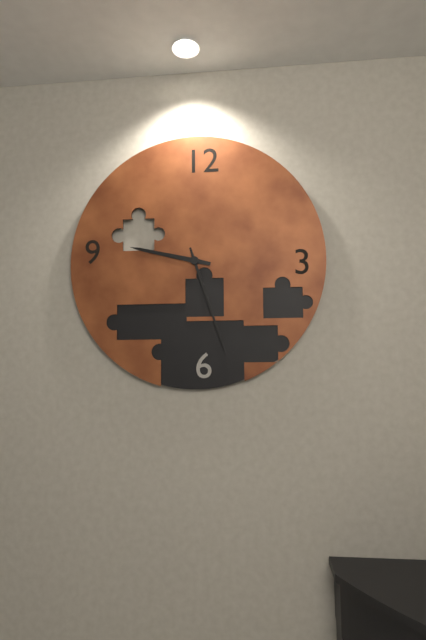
{"hour": 9, "minute": 27}
